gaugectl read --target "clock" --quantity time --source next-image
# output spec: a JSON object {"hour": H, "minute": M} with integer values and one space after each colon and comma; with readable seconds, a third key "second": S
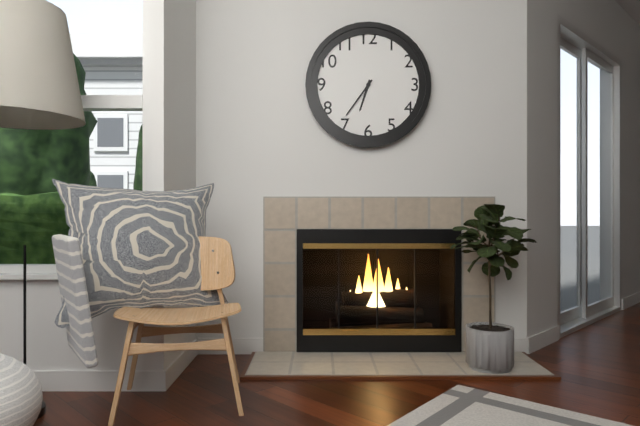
{"hour": 6, "minute": 36}
